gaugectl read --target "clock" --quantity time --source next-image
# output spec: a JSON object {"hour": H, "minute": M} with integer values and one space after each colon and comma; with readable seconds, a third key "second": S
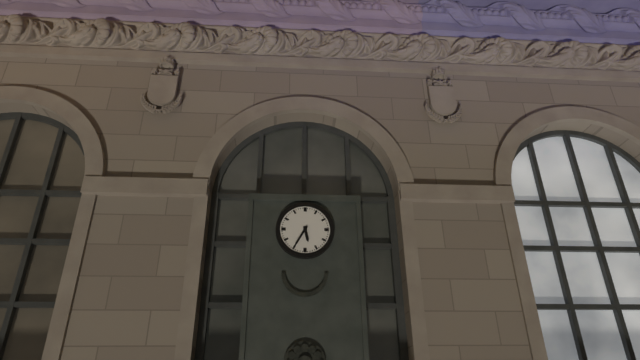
{"hour": 5, "minute": 35}
